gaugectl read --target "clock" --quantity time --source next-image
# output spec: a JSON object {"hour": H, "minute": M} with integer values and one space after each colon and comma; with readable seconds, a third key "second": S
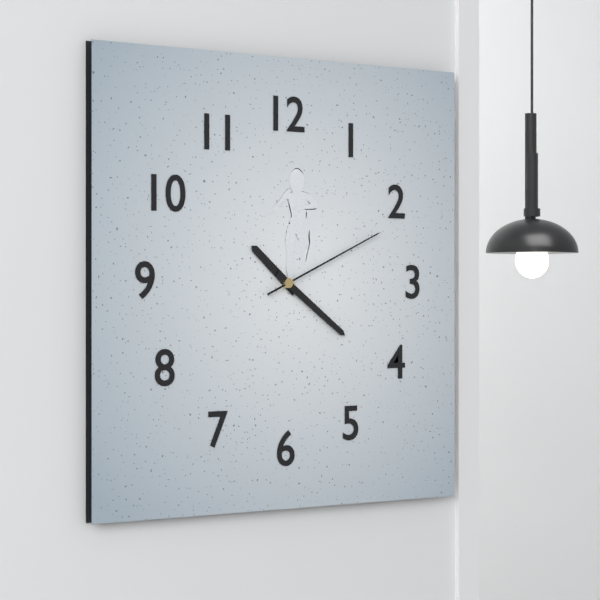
{"hour": 10, "minute": 21, "second": 11}
